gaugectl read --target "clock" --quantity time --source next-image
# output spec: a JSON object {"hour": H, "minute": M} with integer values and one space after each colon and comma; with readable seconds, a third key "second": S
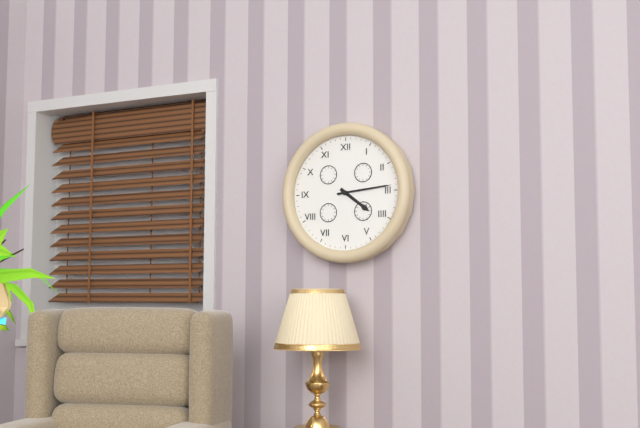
{"hour": 4, "minute": 14}
